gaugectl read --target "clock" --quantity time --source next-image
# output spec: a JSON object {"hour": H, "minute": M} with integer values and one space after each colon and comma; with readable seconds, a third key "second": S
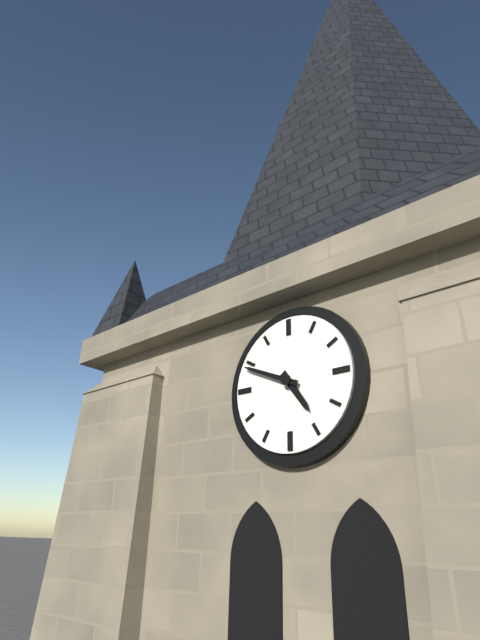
{"hour": 4, "minute": 49}
